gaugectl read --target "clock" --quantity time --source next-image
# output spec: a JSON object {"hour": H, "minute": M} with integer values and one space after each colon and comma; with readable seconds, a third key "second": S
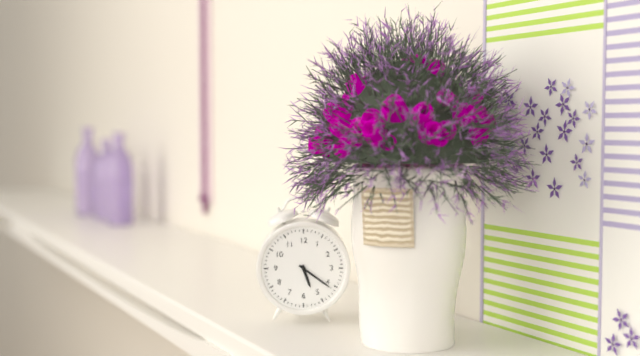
{"hour": 5, "minute": 21}
